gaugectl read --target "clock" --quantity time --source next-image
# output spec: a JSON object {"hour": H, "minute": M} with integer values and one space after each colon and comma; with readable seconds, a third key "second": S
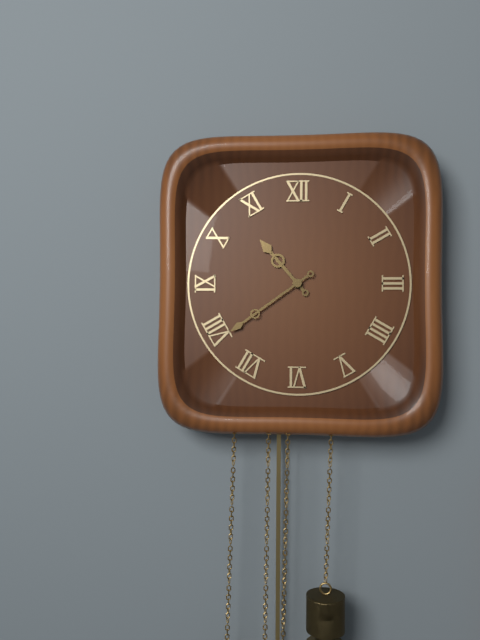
{"hour": 10, "minute": 39}
